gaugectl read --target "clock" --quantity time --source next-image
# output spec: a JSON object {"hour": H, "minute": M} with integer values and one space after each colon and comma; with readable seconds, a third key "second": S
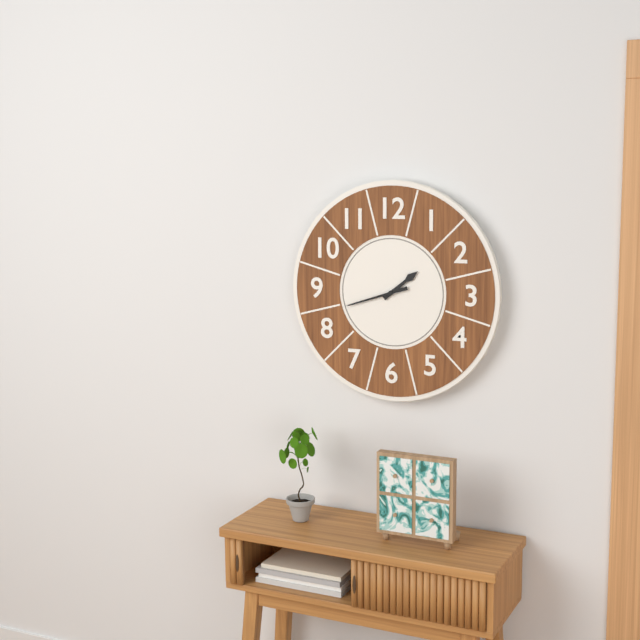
{"hour": 1, "minute": 42}
